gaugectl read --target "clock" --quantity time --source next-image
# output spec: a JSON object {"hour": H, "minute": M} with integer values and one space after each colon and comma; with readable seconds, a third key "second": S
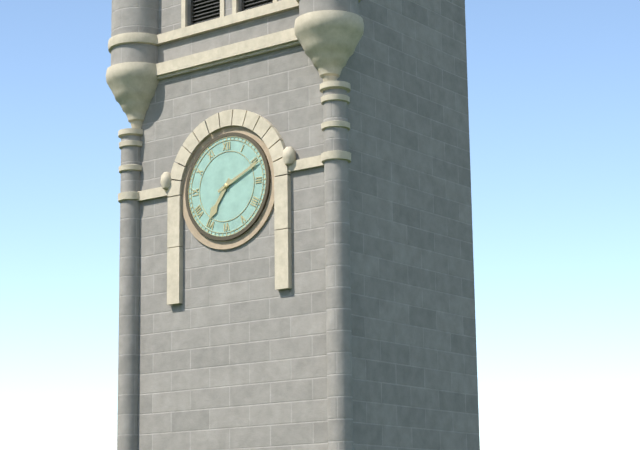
{"hour": 7, "minute": 11}
